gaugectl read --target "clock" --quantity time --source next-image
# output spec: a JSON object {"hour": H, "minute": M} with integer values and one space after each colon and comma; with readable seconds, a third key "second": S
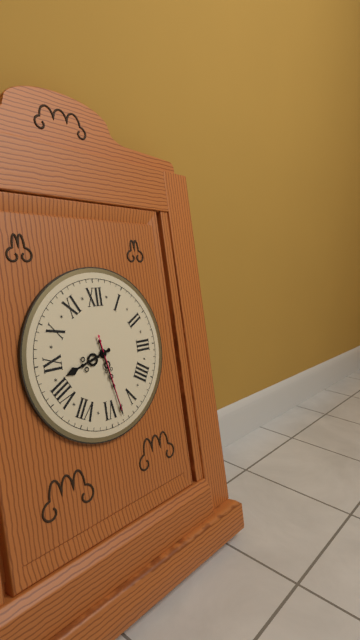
{"hour": 8, "minute": 28, "second": 28}
